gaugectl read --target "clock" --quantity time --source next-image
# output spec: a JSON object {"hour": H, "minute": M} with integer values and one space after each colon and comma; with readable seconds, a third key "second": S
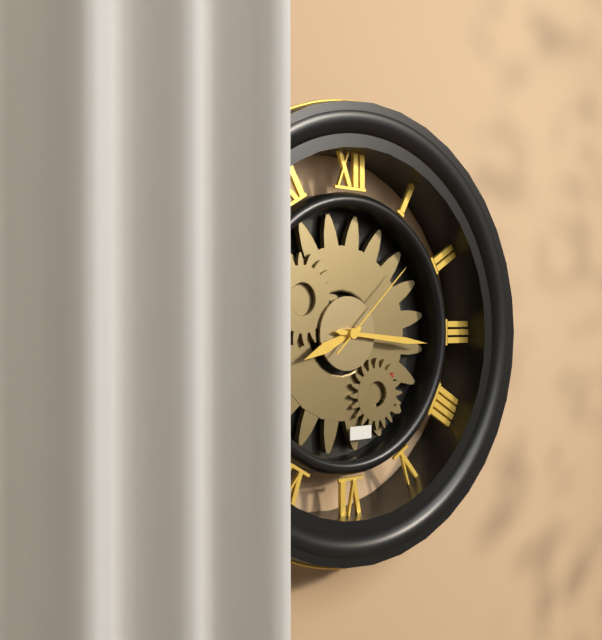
{"hour": 8, "minute": 16, "second": 8}
